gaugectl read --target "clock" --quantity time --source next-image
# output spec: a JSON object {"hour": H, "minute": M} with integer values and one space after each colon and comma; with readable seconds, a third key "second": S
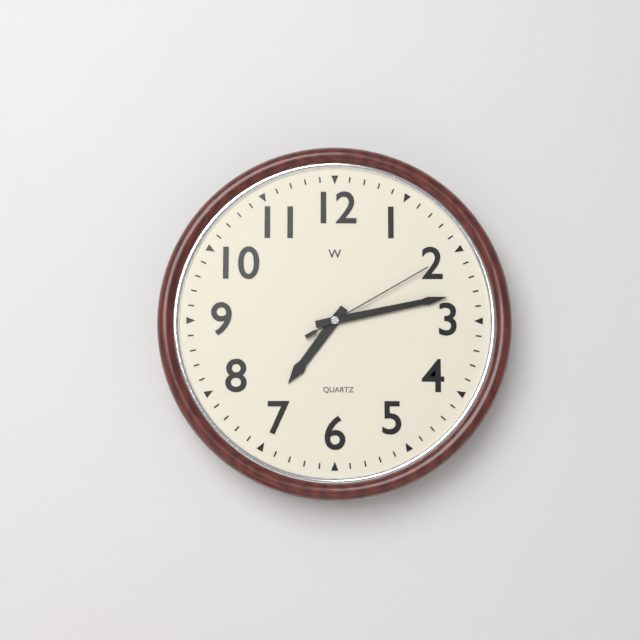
{"hour": 7, "minute": 13, "second": 10}
